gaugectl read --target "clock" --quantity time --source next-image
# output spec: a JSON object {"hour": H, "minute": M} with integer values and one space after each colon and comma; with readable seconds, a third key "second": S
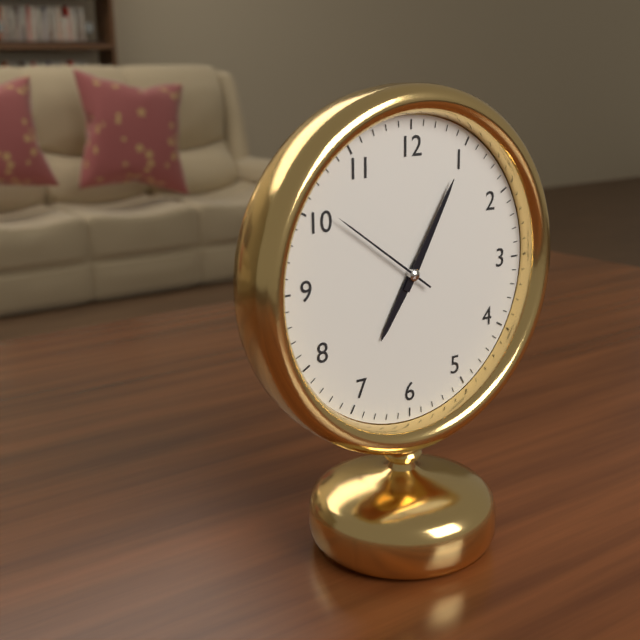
{"hour": 7, "minute": 5, "second": 51}
